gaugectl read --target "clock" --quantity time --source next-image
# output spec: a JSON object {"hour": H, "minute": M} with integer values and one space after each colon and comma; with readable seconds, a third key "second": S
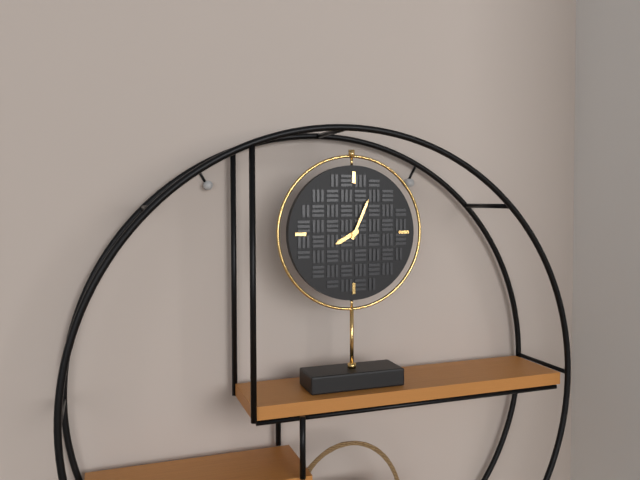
{"hour": 8, "minute": 4}
